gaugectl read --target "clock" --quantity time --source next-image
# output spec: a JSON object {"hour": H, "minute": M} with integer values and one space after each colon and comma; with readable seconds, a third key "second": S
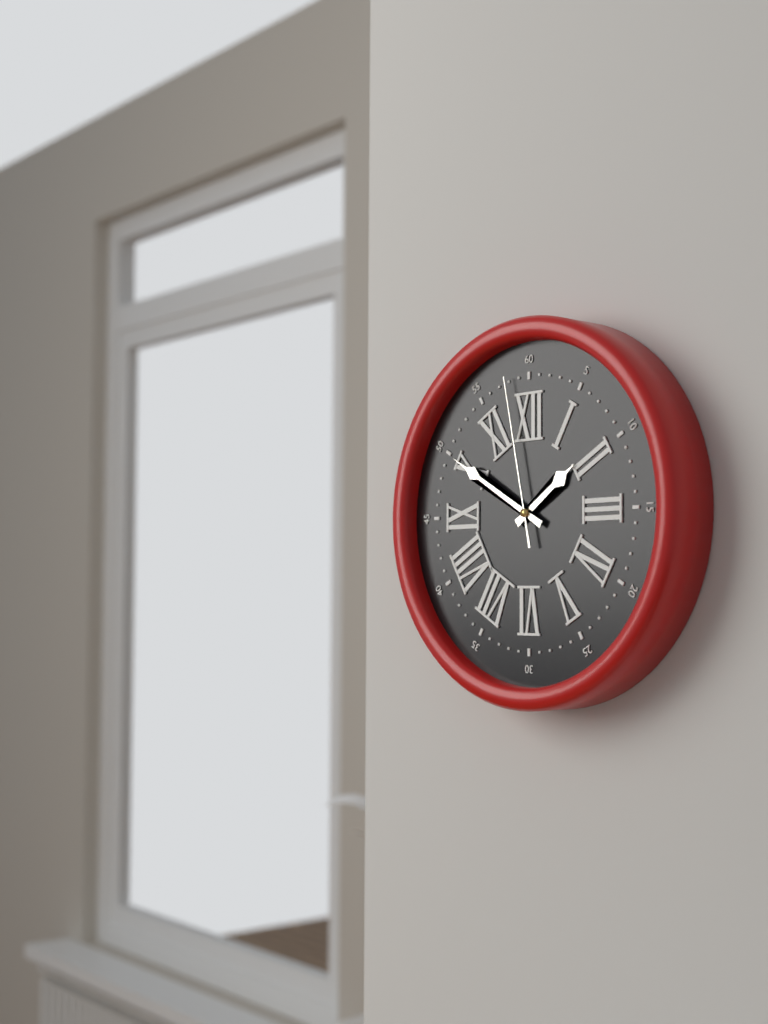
{"hour": 1, "minute": 50, "second": 58}
